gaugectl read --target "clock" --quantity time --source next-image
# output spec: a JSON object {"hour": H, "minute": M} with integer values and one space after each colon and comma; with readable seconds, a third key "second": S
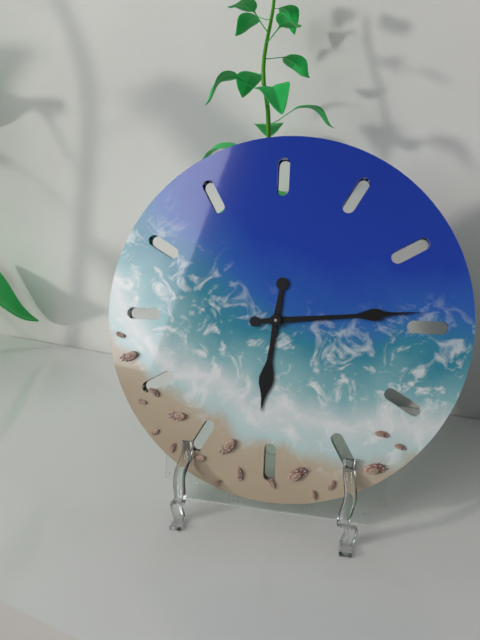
{"hour": 6, "minute": 14}
